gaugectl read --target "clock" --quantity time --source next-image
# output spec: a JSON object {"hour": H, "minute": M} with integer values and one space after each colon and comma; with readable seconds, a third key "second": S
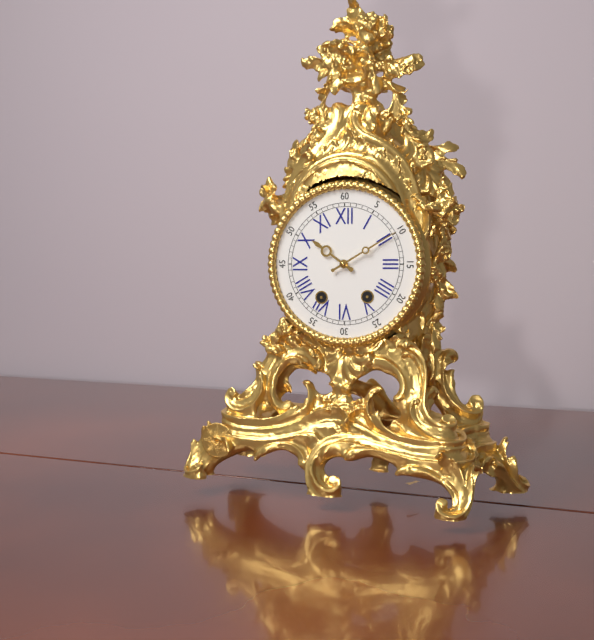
{"hour": 10, "minute": 10}
